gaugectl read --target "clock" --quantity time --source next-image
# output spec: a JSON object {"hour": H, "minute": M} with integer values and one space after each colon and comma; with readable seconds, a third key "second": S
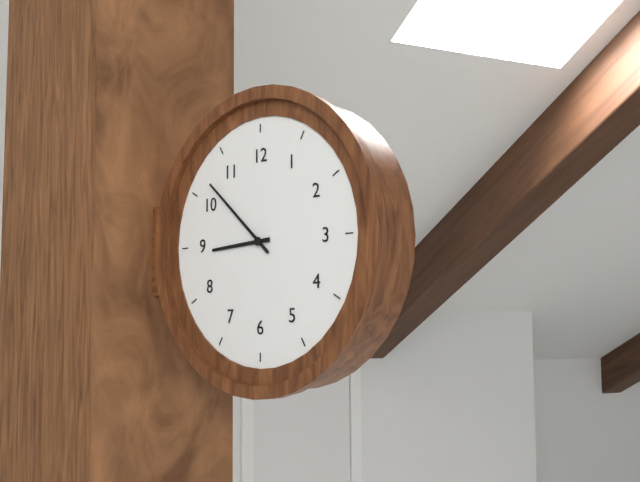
{"hour": 8, "minute": 52}
